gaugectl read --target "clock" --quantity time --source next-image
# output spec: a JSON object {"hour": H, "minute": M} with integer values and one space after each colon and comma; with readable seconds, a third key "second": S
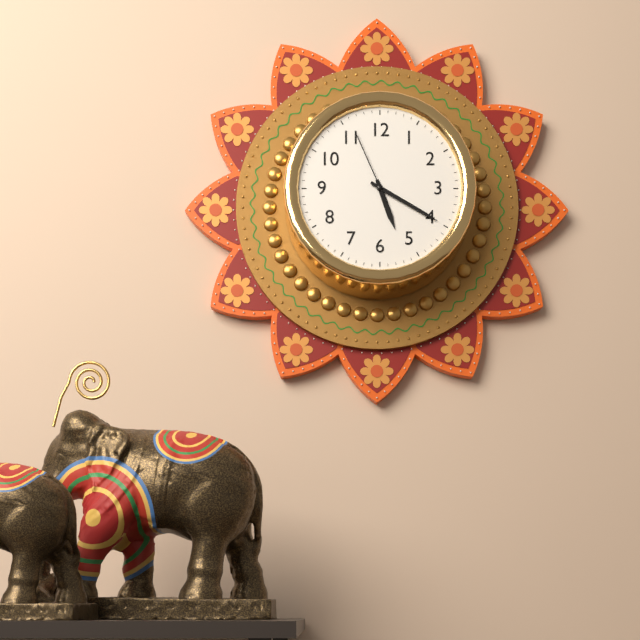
{"hour": 5, "minute": 20, "second": 56}
